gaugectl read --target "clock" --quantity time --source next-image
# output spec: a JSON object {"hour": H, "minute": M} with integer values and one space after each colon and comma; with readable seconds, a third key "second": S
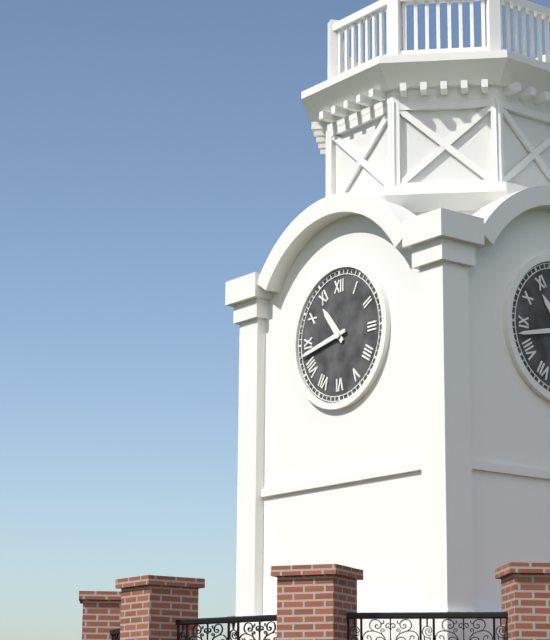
{"hour": 10, "minute": 43}
